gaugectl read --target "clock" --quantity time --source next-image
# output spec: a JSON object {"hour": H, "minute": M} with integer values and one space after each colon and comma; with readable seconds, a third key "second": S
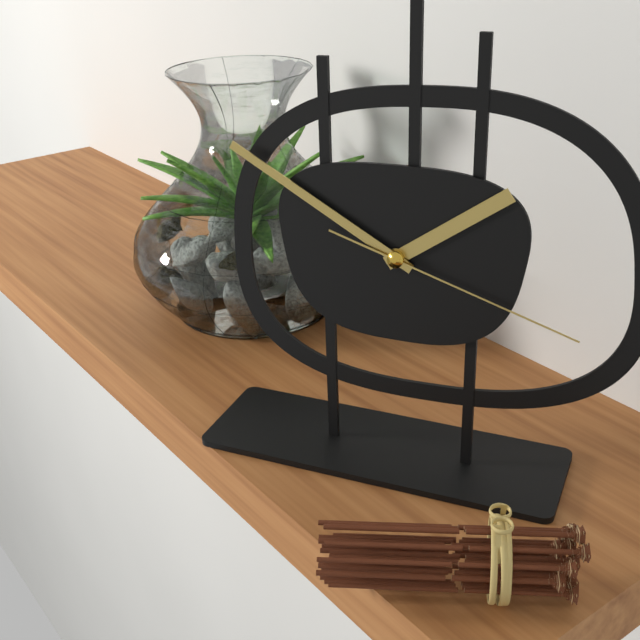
{"hour": 1, "minute": 50, "second": 18}
